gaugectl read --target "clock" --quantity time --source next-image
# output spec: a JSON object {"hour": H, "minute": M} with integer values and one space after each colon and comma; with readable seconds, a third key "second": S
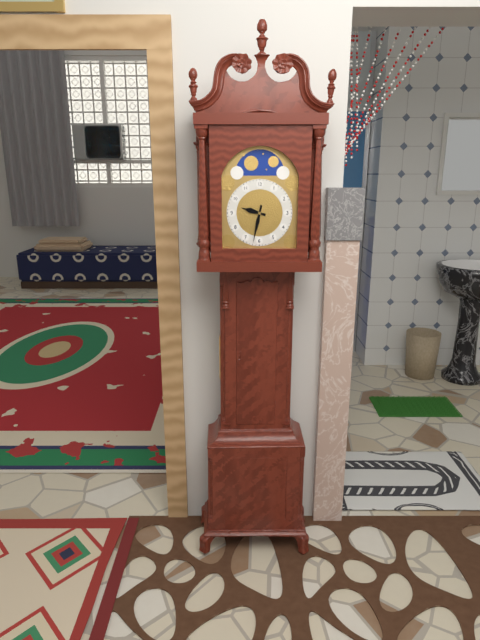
{"hour": 9, "minute": 32}
